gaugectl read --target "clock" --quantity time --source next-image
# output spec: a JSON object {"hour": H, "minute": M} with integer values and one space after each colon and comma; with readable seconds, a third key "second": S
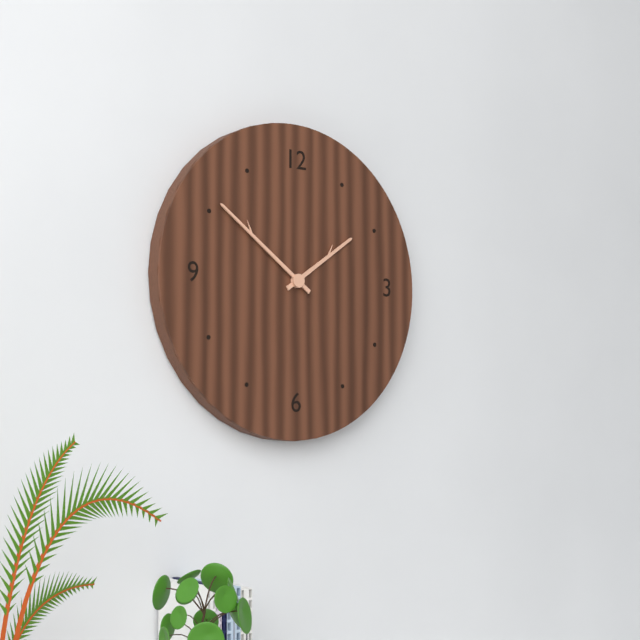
{"hour": 1, "minute": 51}
